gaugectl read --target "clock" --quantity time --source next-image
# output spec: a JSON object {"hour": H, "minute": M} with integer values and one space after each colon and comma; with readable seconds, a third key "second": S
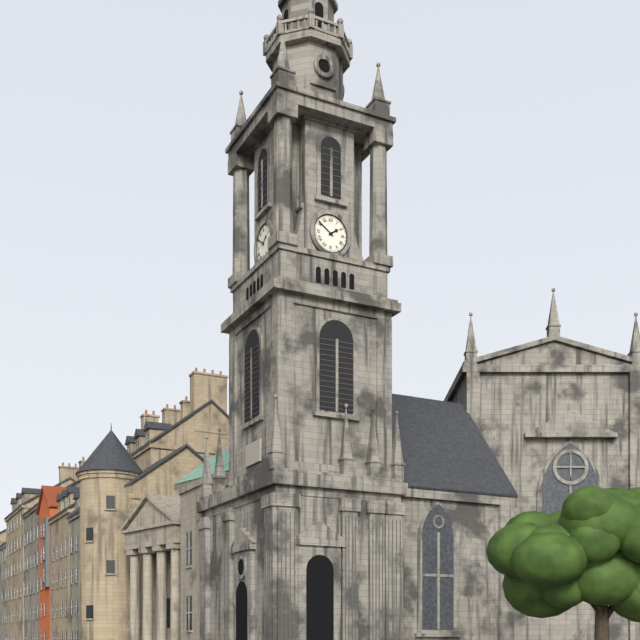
{"hour": 1, "minute": 51}
